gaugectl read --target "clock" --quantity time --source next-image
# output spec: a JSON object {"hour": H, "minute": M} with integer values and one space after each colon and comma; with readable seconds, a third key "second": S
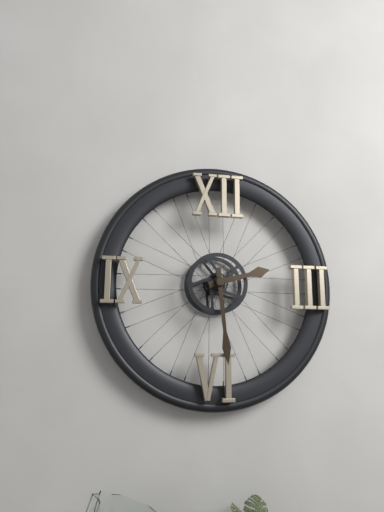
{"hour": 2, "minute": 29}
